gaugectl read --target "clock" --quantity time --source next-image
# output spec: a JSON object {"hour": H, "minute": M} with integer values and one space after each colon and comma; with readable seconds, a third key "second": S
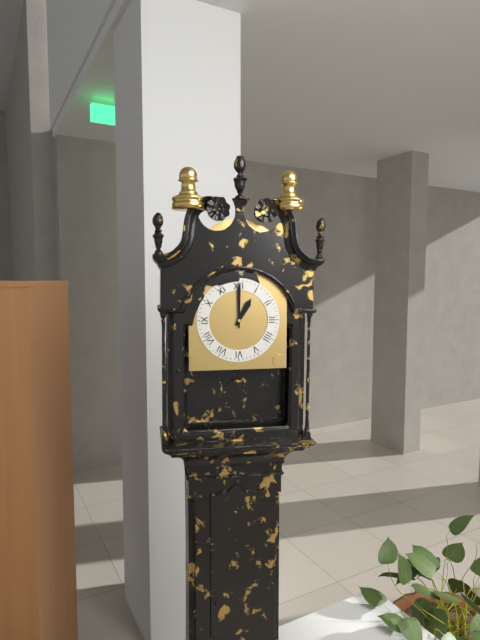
{"hour": 1, "minute": 0}
